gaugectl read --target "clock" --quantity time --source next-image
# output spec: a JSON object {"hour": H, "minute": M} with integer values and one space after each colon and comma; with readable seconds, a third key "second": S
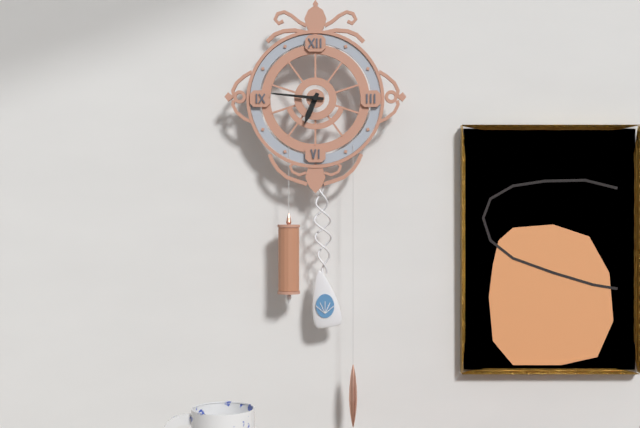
{"hour": 6, "minute": 46}
